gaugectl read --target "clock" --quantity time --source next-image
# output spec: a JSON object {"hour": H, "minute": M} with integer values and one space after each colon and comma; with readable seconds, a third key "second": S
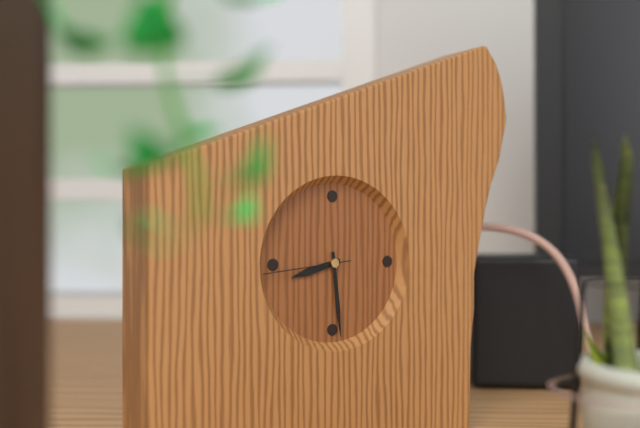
{"hour": 8, "minute": 29, "second": 44}
